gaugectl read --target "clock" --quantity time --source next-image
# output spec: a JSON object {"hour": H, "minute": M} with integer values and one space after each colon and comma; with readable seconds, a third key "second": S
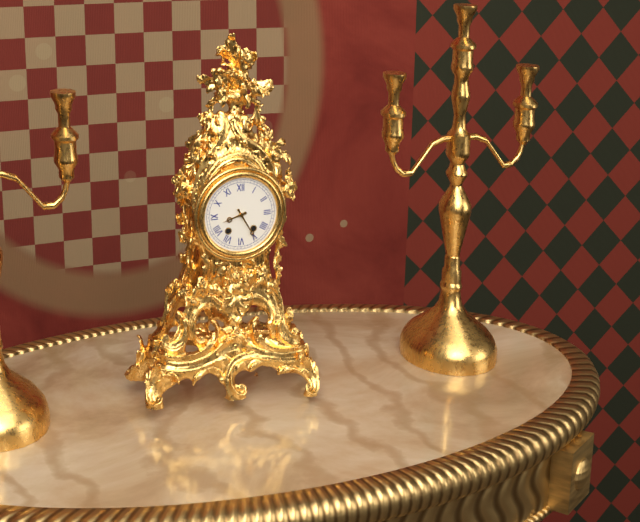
{"hour": 8, "minute": 25}
